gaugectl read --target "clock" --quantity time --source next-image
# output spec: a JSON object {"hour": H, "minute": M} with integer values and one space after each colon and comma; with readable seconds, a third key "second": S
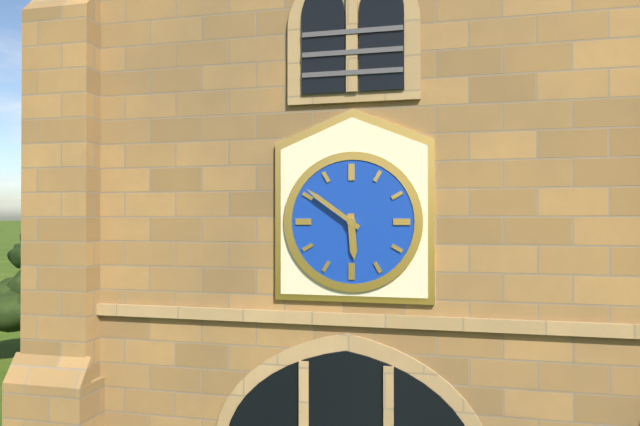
{"hour": 5, "minute": 51}
